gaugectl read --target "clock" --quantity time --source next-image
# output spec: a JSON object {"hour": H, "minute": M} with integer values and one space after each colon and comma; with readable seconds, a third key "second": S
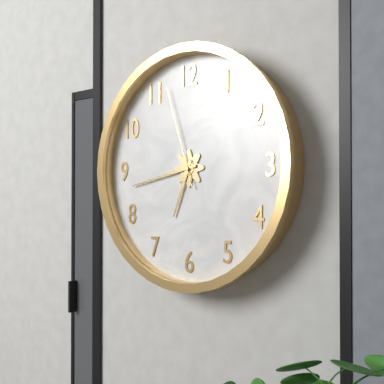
{"hour": 6, "minute": 43, "second": 57}
